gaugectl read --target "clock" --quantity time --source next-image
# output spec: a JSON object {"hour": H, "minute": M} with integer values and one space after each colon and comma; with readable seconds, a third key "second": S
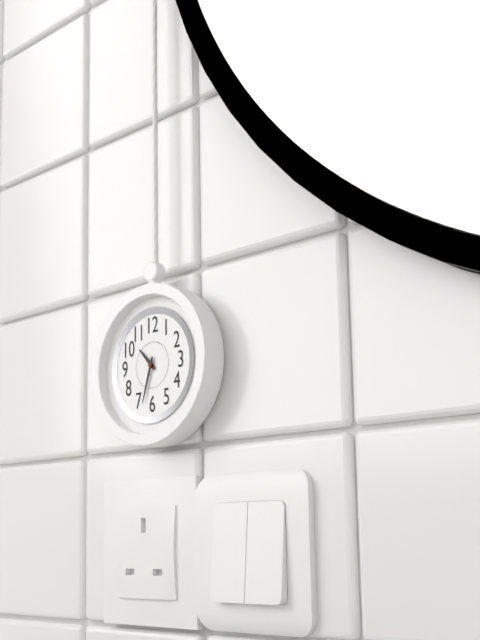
{"hour": 10, "minute": 33}
